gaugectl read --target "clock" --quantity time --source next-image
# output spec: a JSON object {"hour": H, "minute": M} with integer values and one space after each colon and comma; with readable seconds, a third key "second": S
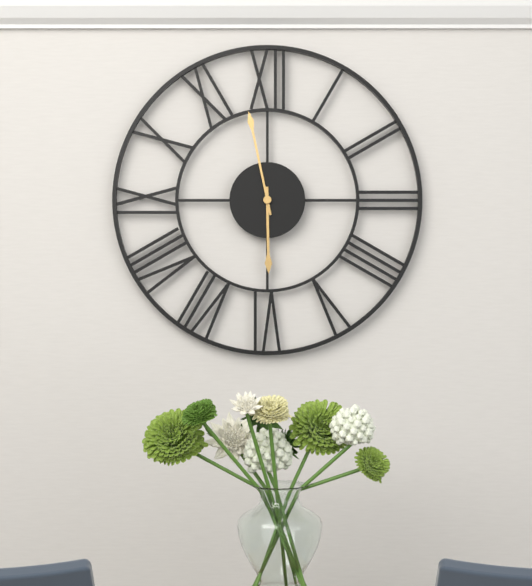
{"hour": 5, "minute": 58}
